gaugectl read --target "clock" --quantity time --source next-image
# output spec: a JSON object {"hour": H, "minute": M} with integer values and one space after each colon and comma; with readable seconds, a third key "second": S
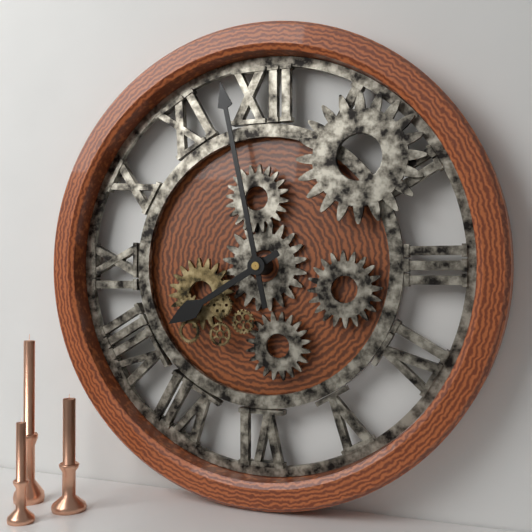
{"hour": 7, "minute": 58}
